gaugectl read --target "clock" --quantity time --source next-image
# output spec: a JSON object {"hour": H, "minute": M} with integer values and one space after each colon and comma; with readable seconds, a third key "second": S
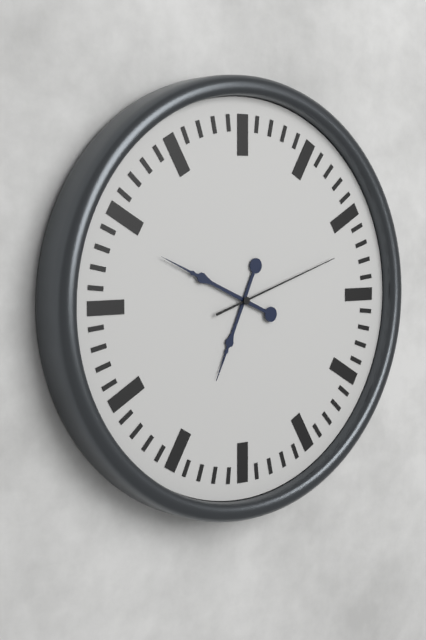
{"hour": 6, "minute": 49, "second": 12}
